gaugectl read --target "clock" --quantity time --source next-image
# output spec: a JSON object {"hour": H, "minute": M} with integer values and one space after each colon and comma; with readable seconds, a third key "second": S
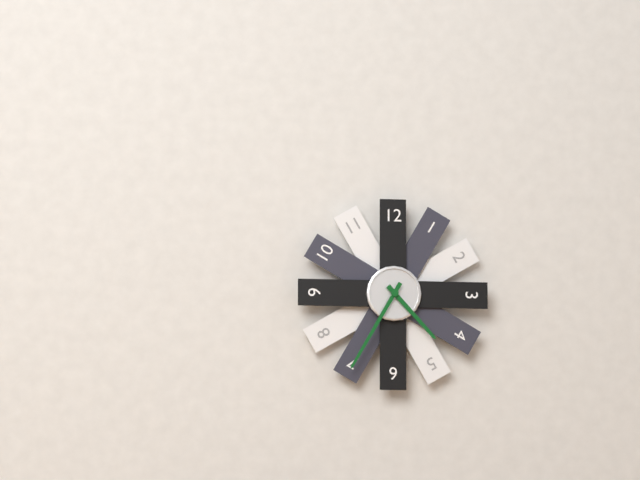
{"hour": 4, "minute": 35}
